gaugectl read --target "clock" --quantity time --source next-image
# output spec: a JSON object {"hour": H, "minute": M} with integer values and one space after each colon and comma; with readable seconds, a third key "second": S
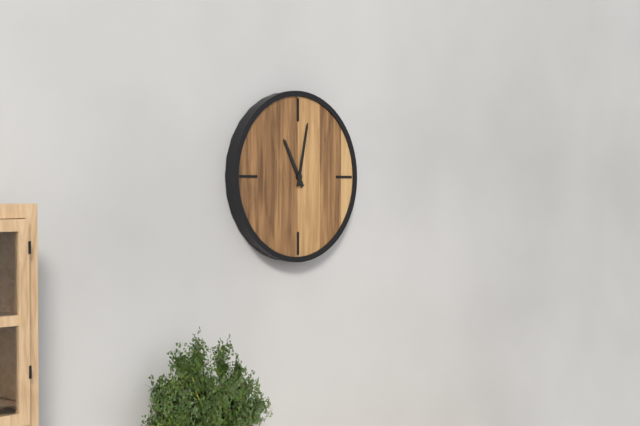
{"hour": 11, "minute": 2}
